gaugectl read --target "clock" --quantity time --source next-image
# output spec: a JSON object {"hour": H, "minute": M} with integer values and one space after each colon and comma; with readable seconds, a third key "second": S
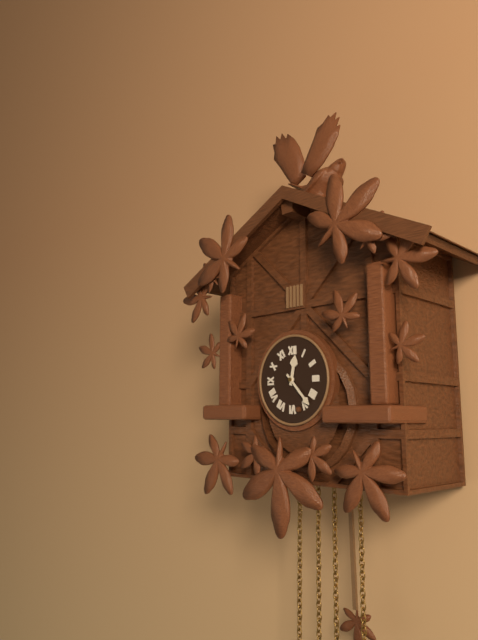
{"hour": 12, "minute": 23}
